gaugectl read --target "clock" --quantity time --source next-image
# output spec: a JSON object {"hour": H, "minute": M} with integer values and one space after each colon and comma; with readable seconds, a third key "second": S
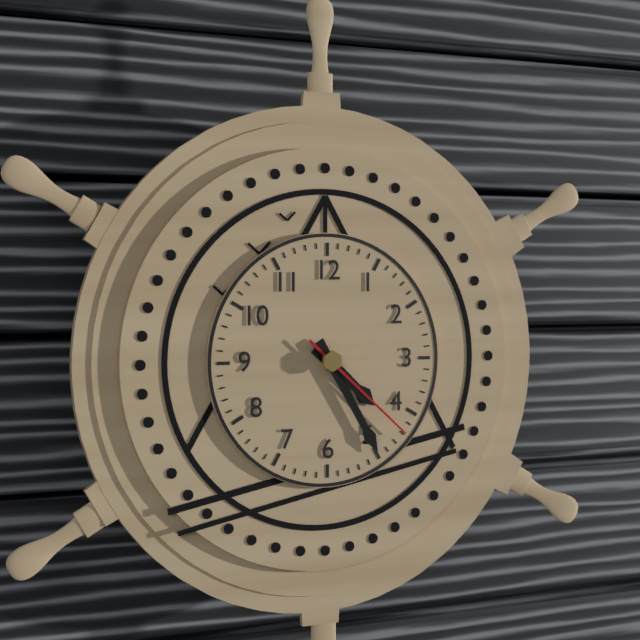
{"hour": 4, "minute": 25, "second": 22}
